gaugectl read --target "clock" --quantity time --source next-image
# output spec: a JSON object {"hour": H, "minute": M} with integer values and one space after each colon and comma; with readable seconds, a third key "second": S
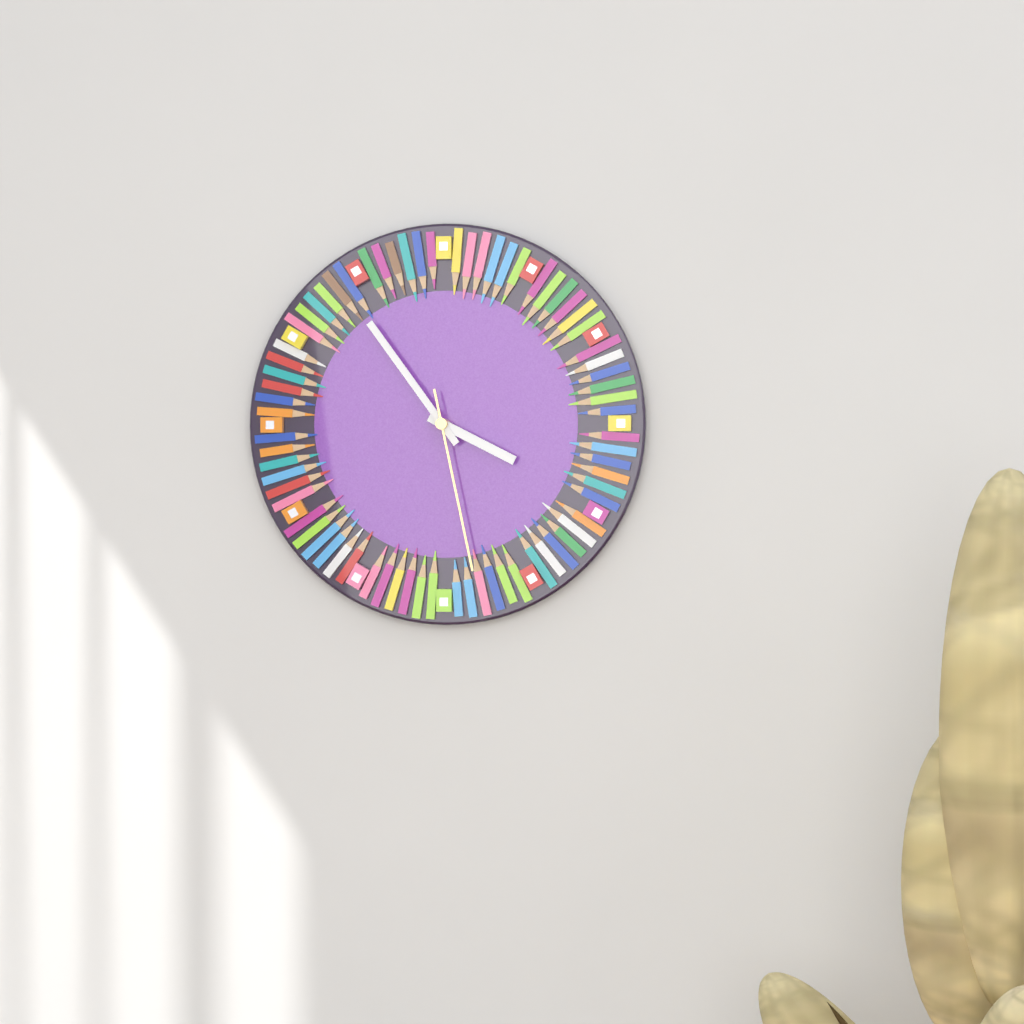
{"hour": 3, "minute": 54, "second": 28}
